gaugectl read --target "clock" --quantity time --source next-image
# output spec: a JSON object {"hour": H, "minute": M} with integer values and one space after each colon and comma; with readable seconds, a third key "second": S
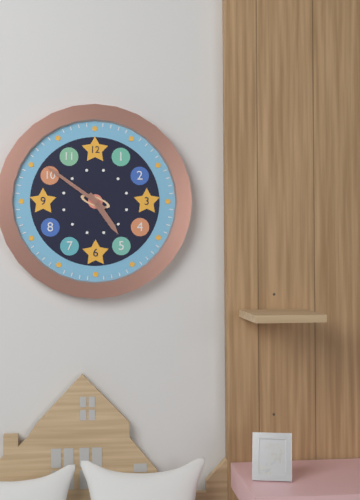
{"hour": 4, "minute": 51}
